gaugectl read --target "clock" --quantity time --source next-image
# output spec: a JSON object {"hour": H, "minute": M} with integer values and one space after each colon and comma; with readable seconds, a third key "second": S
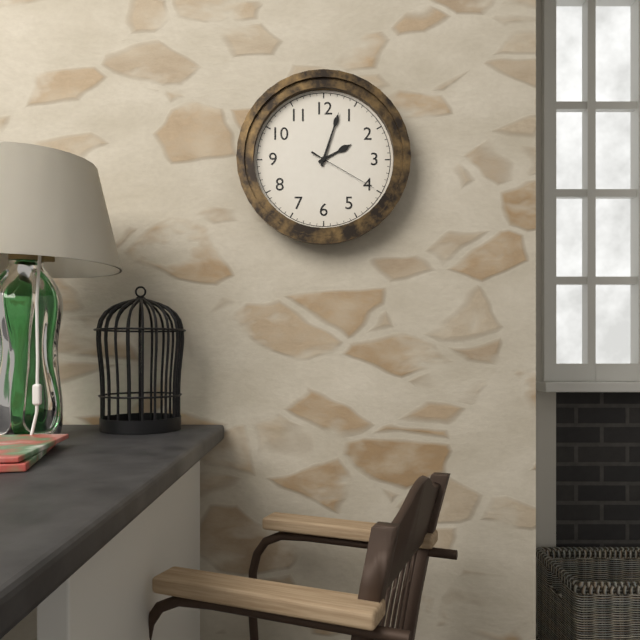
{"hour": 2, "minute": 3, "second": 20}
